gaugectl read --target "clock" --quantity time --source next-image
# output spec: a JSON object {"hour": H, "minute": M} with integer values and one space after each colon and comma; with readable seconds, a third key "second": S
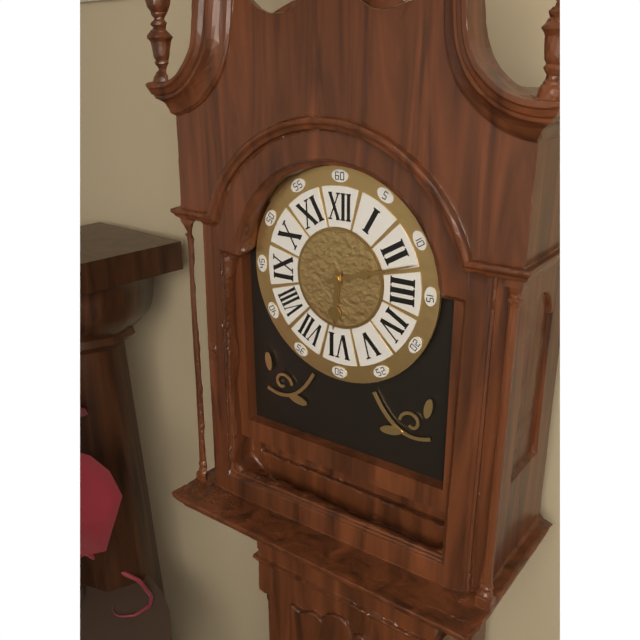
{"hour": 6, "minute": 12}
